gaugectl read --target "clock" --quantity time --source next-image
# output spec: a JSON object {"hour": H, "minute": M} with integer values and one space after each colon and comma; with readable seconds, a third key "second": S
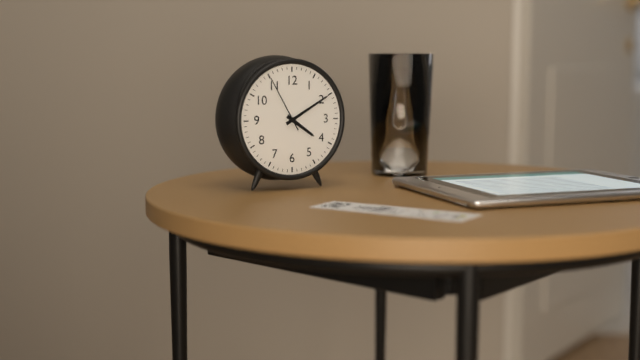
{"hour": 4, "minute": 10, "second": 55}
